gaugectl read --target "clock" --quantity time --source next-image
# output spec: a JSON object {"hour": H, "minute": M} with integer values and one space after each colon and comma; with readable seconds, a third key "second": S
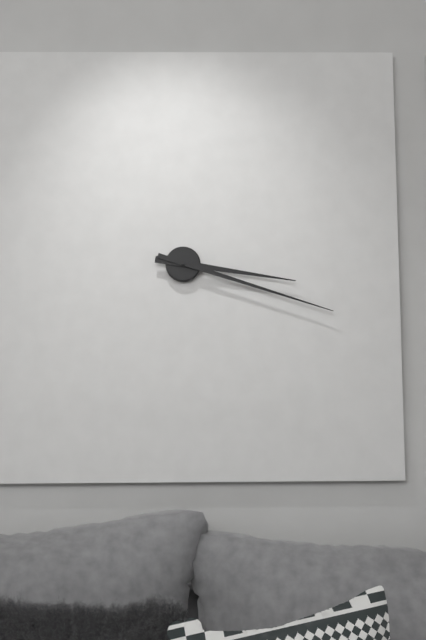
{"hour": 3, "minute": 18}
